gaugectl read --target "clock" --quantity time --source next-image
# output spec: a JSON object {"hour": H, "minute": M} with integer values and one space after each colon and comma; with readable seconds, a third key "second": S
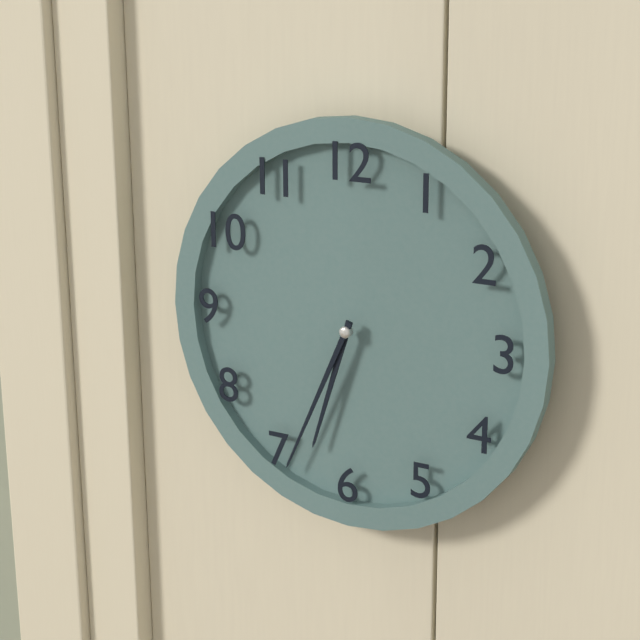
{"hour": 6, "minute": 34}
